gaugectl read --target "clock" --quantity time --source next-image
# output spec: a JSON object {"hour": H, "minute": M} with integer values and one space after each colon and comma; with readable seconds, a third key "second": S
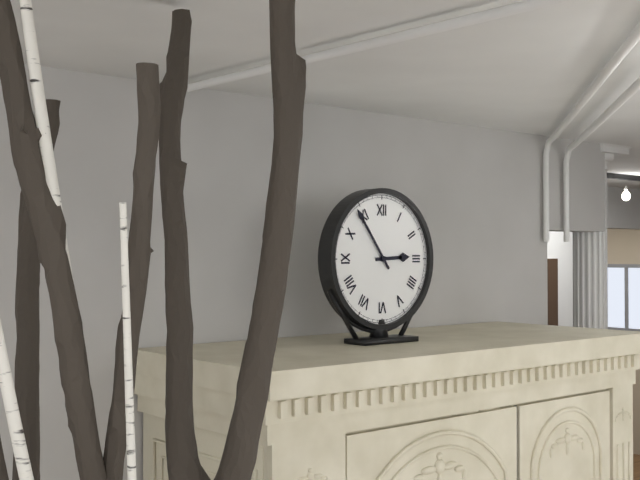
{"hour": 2, "minute": 54}
